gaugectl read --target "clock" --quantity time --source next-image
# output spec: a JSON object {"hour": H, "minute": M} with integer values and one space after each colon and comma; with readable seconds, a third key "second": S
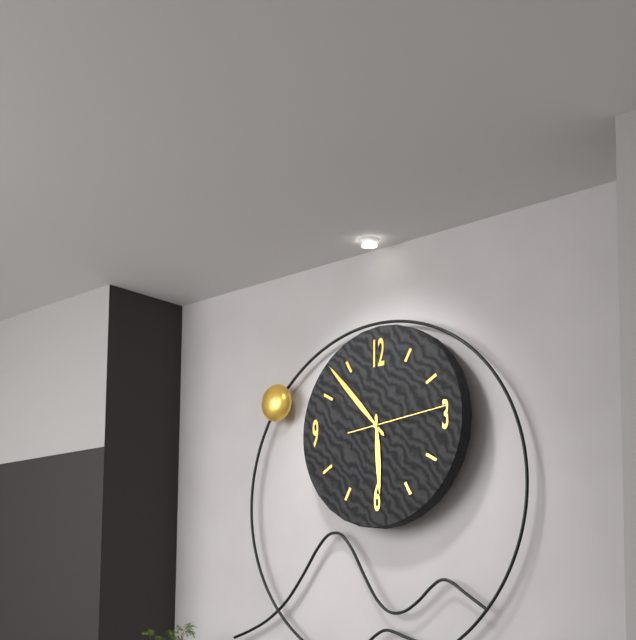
{"hour": 5, "minute": 53, "second": 14}
